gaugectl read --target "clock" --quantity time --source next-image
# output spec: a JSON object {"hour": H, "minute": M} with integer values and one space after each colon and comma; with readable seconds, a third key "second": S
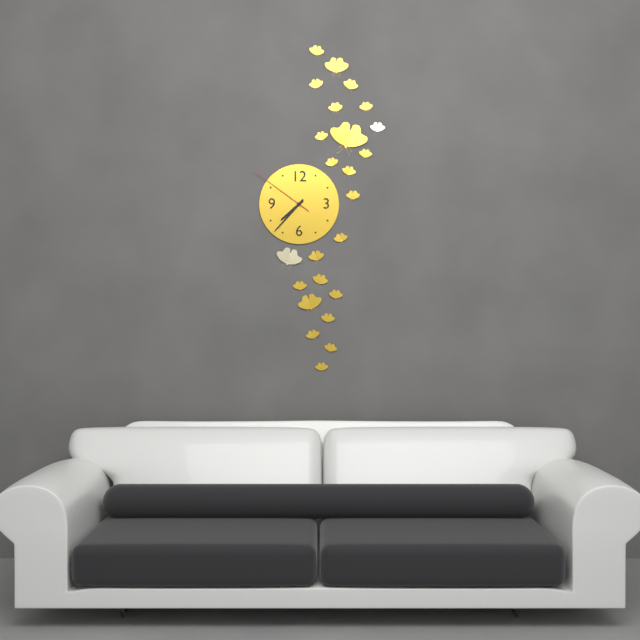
{"hour": 7, "minute": 37, "second": 51}
